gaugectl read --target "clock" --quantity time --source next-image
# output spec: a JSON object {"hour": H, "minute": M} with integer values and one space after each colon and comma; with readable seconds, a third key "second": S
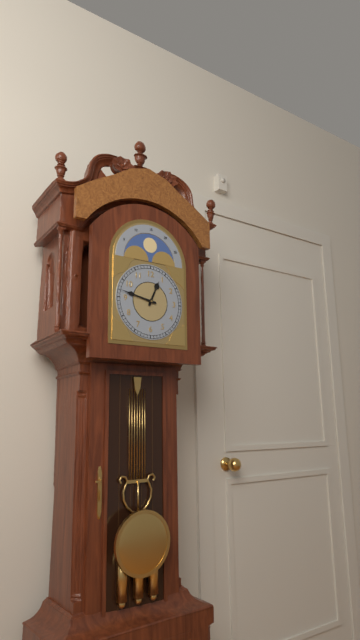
{"hour": 12, "minute": 47}
